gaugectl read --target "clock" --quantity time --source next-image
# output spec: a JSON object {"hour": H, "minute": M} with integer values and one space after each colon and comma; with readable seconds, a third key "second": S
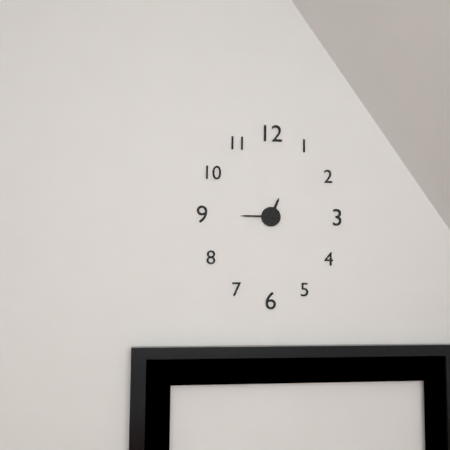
{"hour": 12, "minute": 45}
